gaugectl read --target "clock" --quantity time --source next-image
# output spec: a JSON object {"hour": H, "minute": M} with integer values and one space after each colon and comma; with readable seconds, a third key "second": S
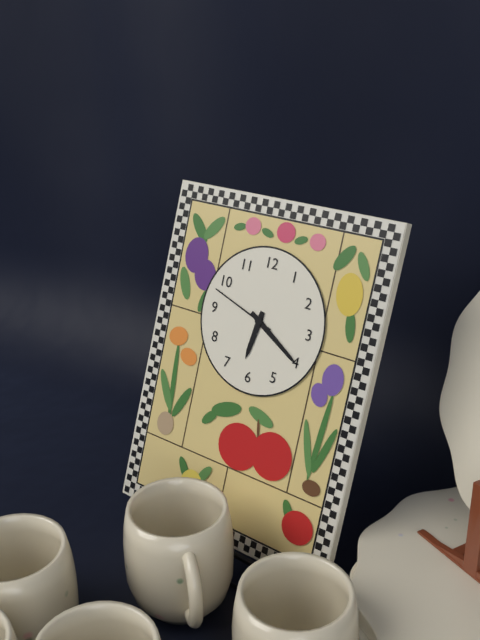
{"hour": 6, "minute": 20, "second": 48}
